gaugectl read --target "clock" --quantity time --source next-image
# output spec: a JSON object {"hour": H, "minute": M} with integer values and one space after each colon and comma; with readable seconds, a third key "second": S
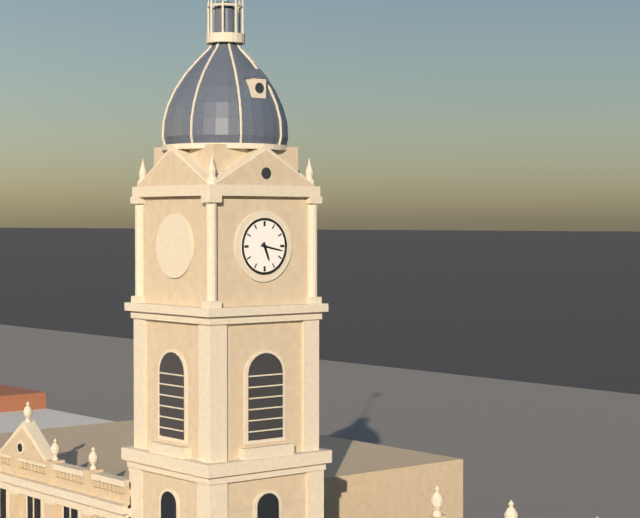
{"hour": 5, "minute": 17}
